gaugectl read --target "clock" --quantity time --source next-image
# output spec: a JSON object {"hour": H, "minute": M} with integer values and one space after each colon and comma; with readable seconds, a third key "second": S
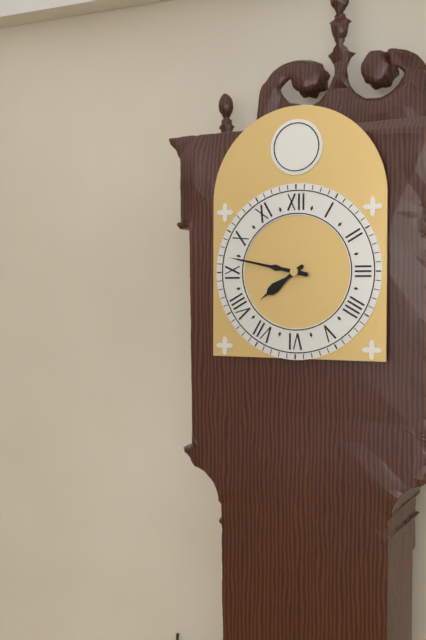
{"hour": 7, "minute": 47}
